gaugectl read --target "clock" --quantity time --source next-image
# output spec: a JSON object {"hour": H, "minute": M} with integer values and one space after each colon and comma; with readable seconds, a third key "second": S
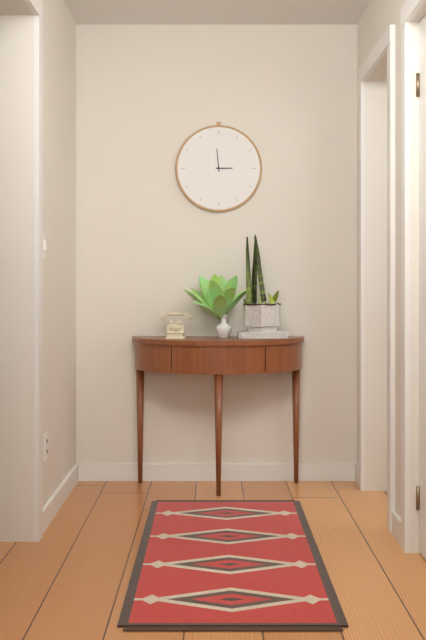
{"hour": 2, "minute": 59}
